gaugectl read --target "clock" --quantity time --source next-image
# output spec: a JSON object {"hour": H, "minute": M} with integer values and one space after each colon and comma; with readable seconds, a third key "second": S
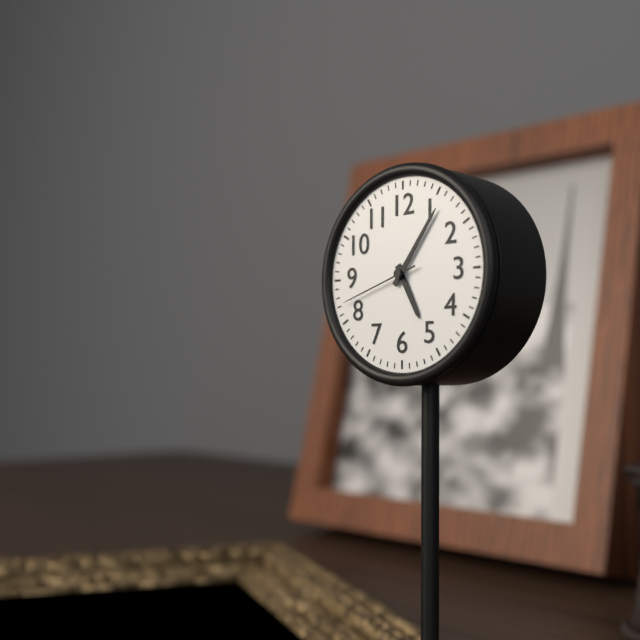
{"hour": 5, "minute": 6, "second": 42}
